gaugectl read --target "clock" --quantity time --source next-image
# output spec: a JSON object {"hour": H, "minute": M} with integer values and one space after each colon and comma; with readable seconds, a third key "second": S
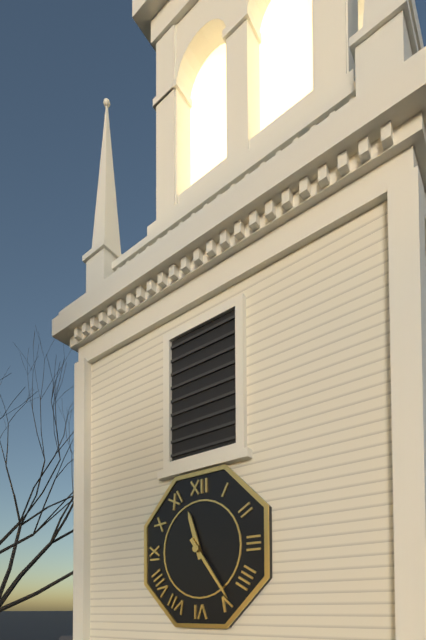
{"hour": 11, "minute": 24}
